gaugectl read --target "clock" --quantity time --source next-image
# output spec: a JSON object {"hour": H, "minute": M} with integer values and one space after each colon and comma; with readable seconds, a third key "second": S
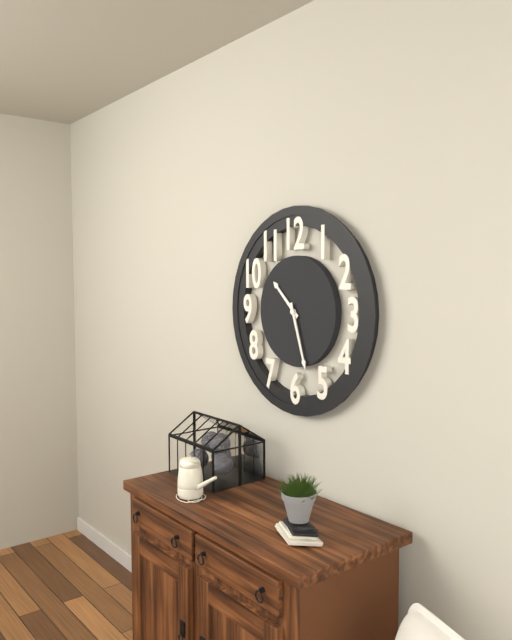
{"hour": 10, "minute": 27}
